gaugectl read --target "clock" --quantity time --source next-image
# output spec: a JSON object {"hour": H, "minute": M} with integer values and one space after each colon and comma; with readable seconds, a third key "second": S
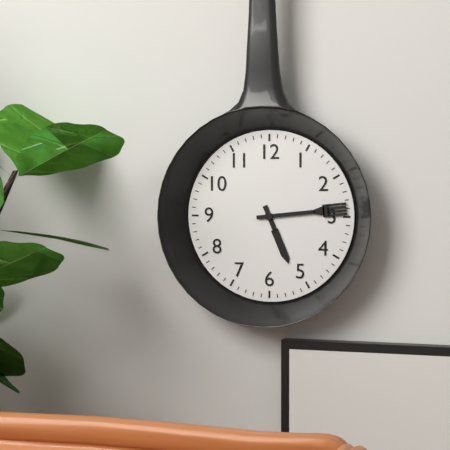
{"hour": 5, "minute": 14}
